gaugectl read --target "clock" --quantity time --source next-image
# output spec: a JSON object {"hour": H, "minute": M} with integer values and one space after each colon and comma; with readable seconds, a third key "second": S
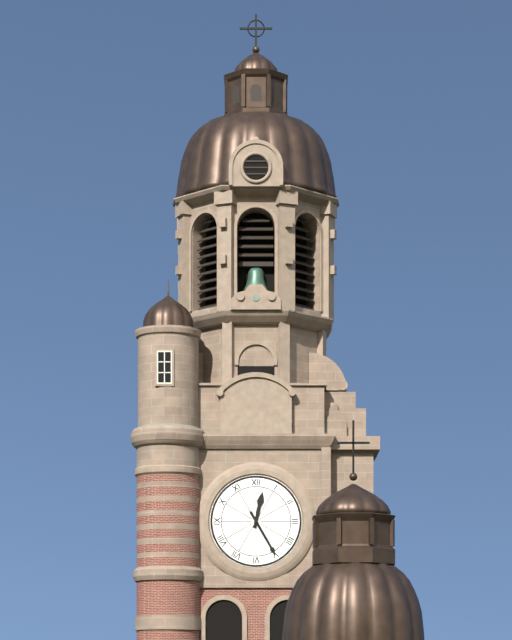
{"hour": 12, "minute": 25}
